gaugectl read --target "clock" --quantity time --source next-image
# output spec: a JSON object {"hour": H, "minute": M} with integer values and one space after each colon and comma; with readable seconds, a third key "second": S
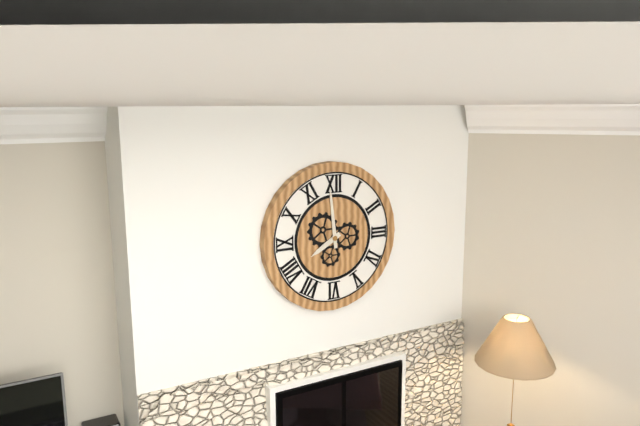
{"hour": 7, "minute": 59}
